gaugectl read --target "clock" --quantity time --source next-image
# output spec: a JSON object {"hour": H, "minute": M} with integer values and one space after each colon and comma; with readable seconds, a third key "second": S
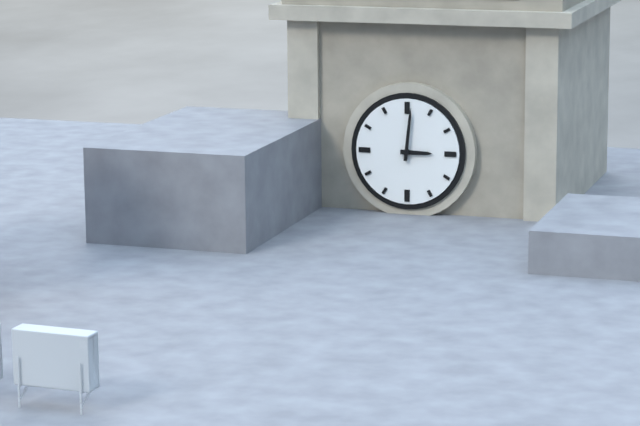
{"hour": 3, "minute": 1}
